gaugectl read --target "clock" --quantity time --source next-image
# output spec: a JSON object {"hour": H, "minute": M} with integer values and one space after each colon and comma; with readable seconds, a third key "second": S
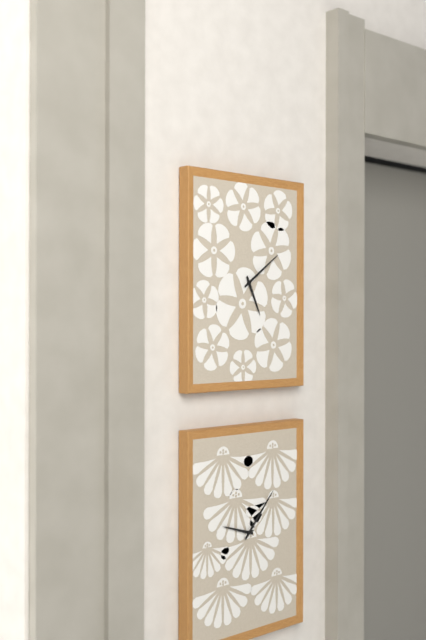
{"hour": 5, "minute": 9}
